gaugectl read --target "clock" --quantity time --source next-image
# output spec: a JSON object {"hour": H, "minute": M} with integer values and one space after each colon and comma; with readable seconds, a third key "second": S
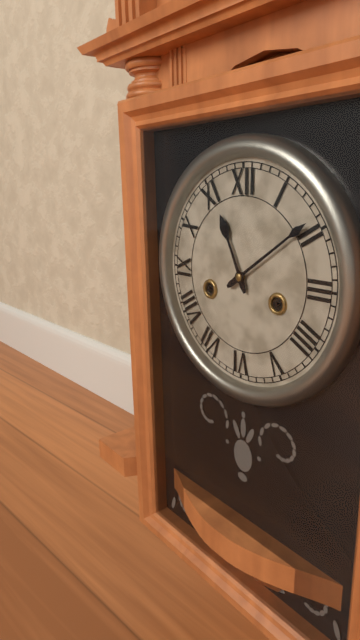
{"hour": 11, "minute": 9}
